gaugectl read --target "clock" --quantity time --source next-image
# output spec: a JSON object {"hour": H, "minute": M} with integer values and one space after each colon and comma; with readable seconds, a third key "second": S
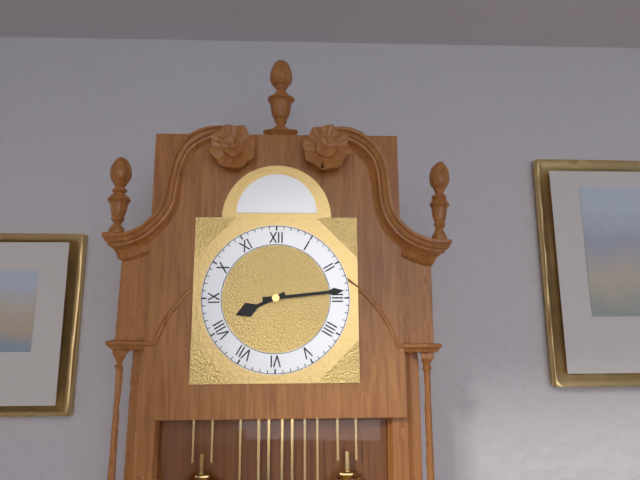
{"hour": 8, "minute": 14}
